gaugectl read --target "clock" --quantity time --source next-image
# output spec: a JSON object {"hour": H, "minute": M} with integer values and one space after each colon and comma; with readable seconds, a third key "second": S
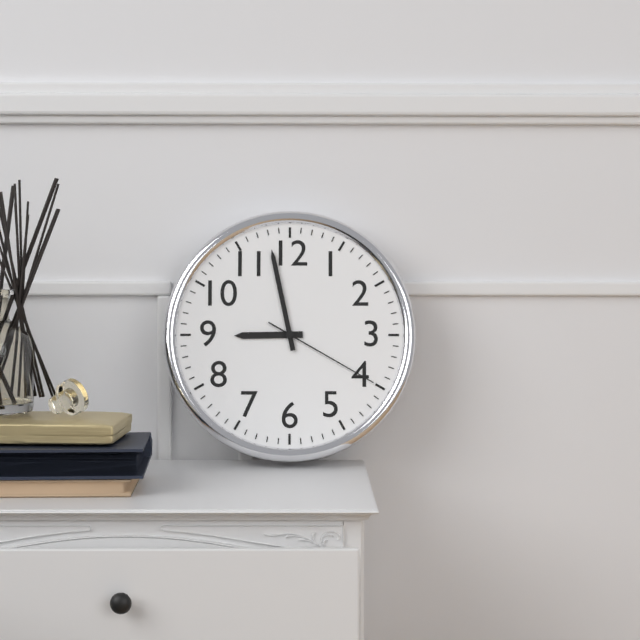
{"hour": 8, "minute": 58, "second": 20}
